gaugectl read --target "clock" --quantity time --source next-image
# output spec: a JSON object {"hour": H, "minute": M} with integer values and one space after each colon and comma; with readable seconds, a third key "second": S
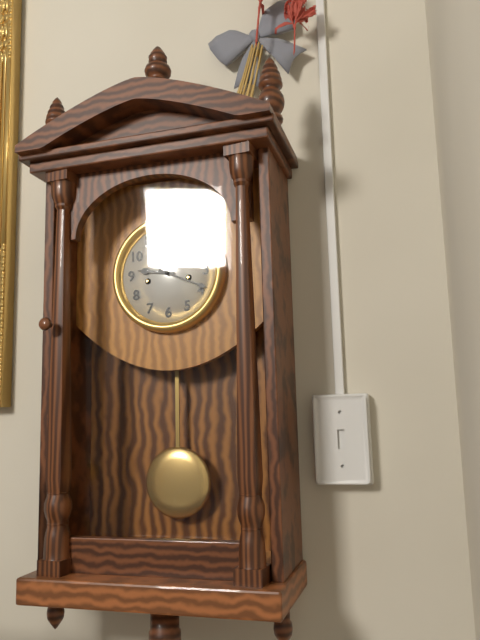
{"hour": 9, "minute": 19}
